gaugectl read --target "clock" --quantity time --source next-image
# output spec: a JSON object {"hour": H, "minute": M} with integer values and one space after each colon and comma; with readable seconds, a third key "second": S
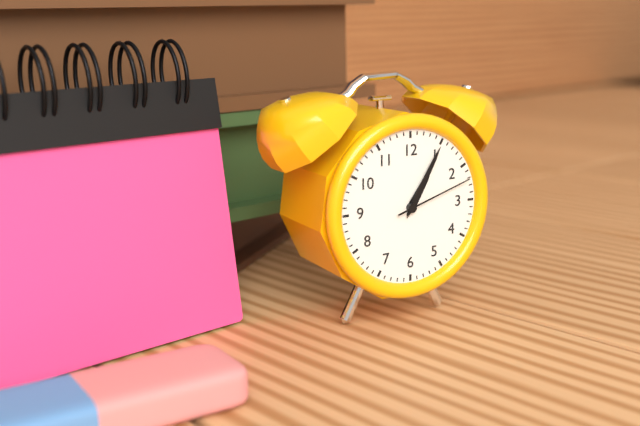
{"hour": 1, "minute": 5, "second": 12}
